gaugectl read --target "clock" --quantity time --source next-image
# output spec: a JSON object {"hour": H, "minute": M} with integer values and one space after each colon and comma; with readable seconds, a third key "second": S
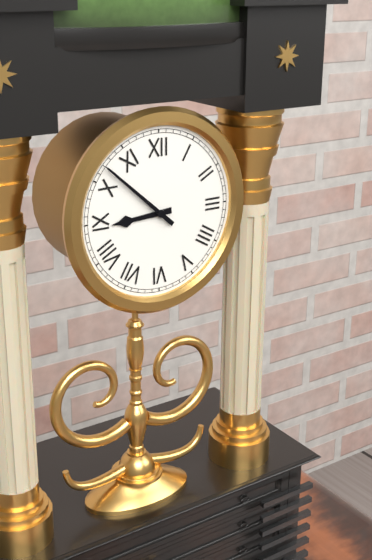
{"hour": 8, "minute": 52}
